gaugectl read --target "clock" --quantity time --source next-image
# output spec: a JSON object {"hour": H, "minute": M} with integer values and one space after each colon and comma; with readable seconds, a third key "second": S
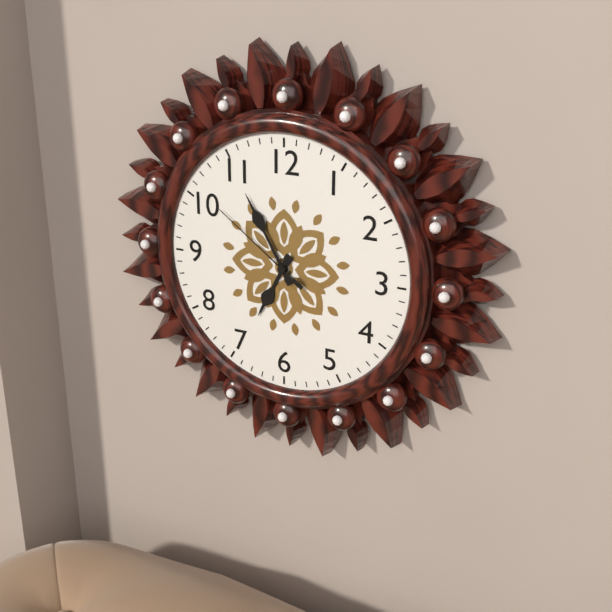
{"hour": 6, "minute": 55, "second": 51}
